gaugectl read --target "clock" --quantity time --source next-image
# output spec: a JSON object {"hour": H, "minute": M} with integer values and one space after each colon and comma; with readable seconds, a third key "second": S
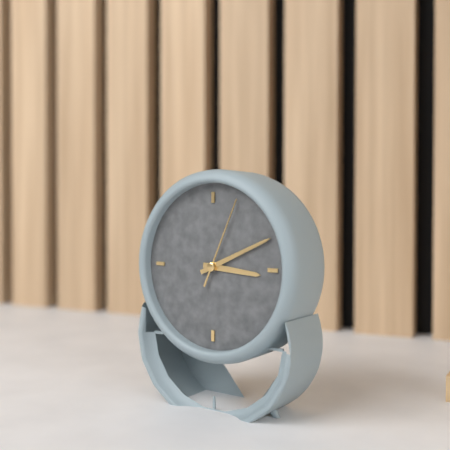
{"hour": 3, "minute": 11, "second": 4}
